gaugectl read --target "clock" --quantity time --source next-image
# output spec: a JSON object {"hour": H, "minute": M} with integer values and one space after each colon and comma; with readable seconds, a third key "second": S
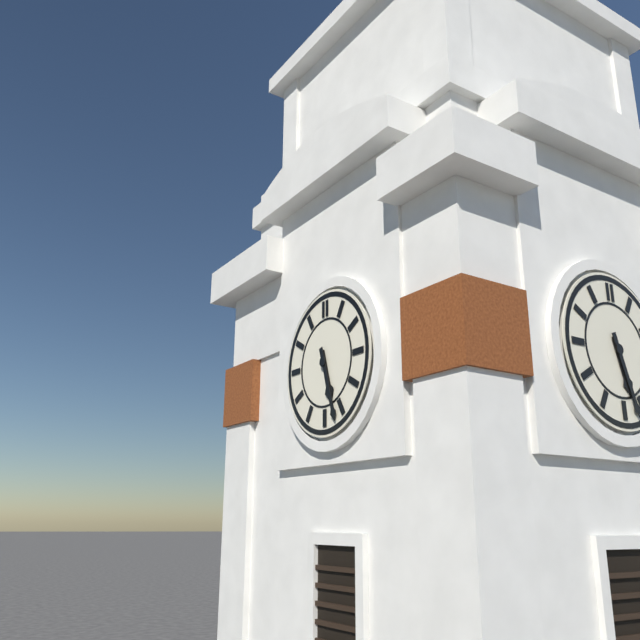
{"hour": 5, "minute": 27}
